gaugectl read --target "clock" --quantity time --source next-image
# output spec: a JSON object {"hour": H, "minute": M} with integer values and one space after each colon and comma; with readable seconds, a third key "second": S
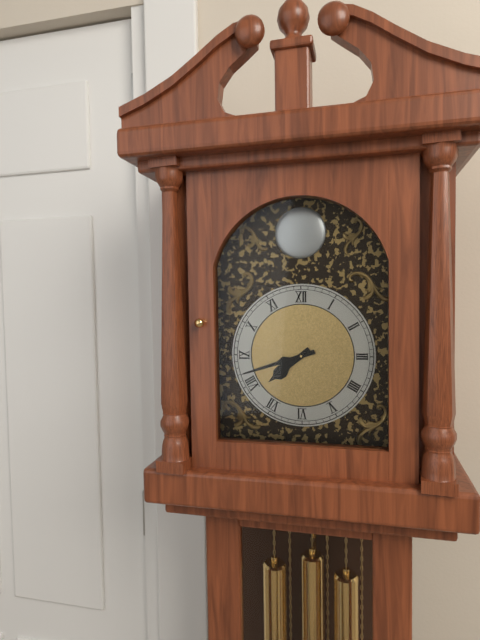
{"hour": 7, "minute": 42}
